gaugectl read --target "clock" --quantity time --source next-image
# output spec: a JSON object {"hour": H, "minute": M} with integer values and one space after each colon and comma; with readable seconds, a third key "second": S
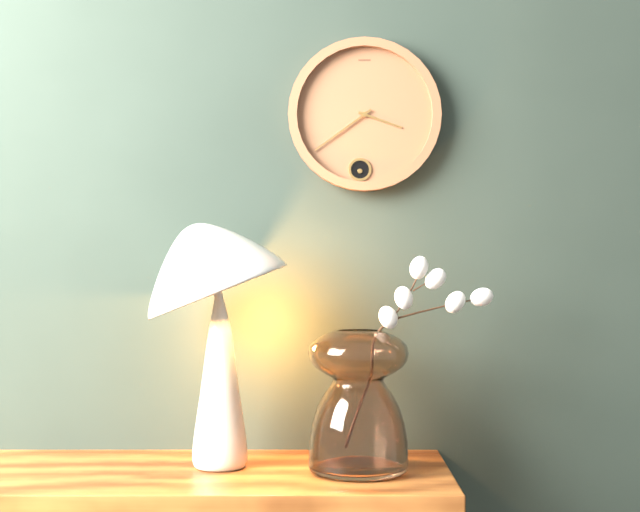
{"hour": 3, "minute": 39}
